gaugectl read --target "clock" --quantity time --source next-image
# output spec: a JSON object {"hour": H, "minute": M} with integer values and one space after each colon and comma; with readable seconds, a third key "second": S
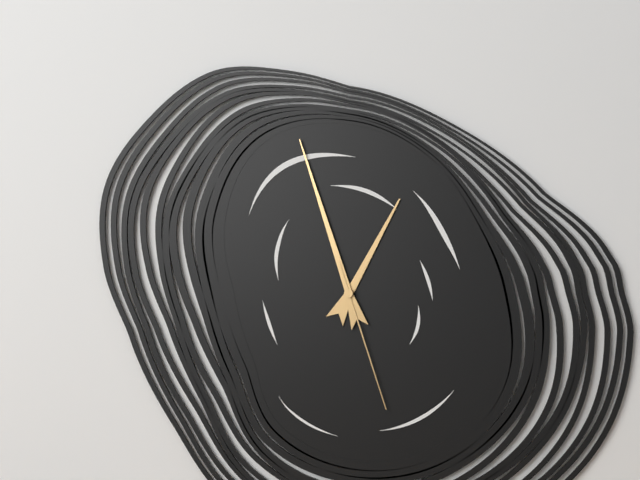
{"hour": 12, "minute": 57, "second": 27}
